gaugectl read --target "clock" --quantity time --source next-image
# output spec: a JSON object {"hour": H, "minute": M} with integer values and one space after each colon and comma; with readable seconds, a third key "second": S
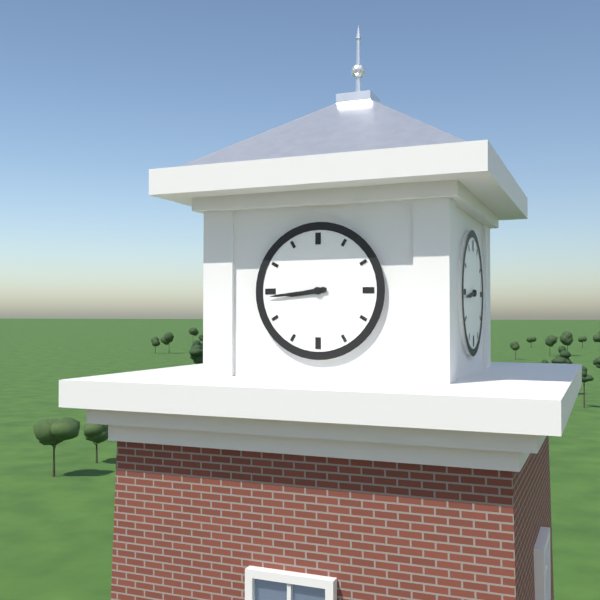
{"hour": 8, "minute": 44}
